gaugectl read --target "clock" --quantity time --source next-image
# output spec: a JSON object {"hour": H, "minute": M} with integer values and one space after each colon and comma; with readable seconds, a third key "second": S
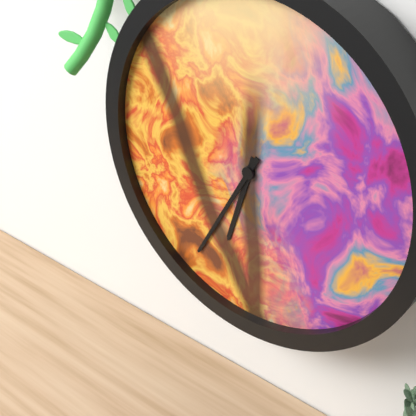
{"hour": 6, "minute": 35}
